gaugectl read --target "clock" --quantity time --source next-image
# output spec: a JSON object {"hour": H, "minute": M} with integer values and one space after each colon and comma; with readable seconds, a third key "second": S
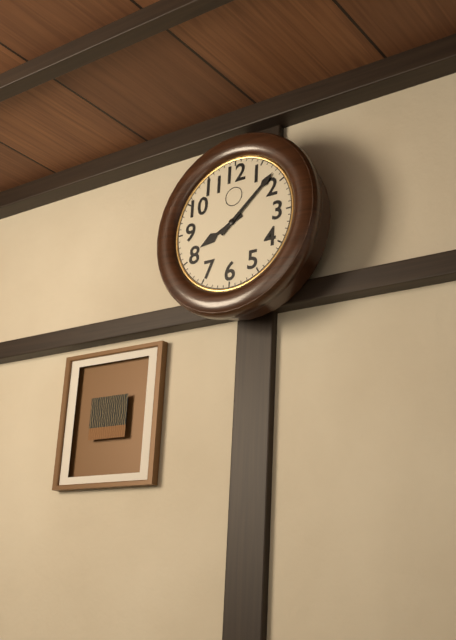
{"hour": 8, "minute": 8}
